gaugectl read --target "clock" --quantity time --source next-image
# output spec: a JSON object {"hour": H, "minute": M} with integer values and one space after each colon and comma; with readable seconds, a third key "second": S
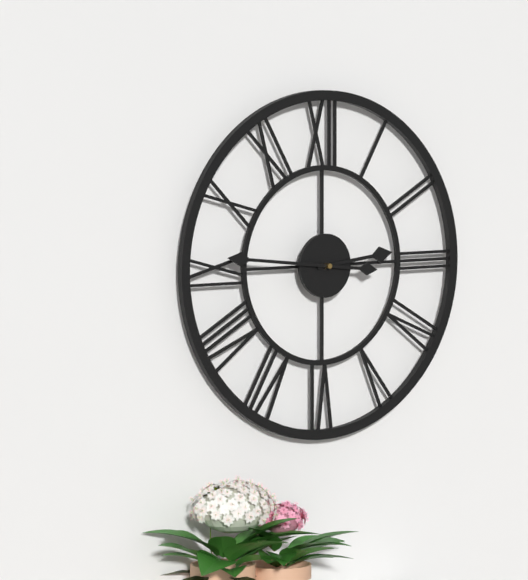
{"hour": 2, "minute": 46}
